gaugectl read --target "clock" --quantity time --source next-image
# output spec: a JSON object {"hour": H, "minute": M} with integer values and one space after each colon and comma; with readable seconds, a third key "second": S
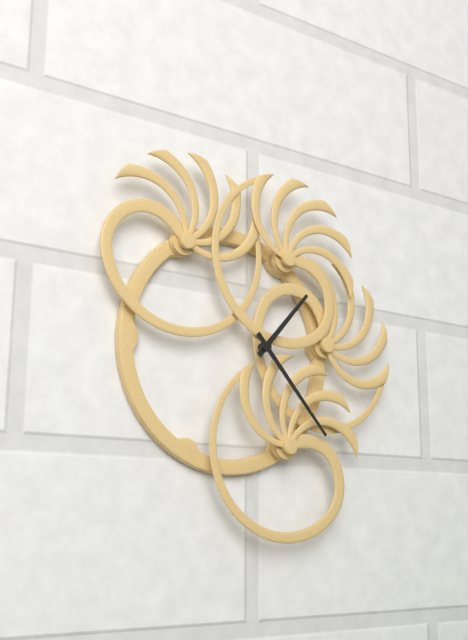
{"hour": 1, "minute": 23}
